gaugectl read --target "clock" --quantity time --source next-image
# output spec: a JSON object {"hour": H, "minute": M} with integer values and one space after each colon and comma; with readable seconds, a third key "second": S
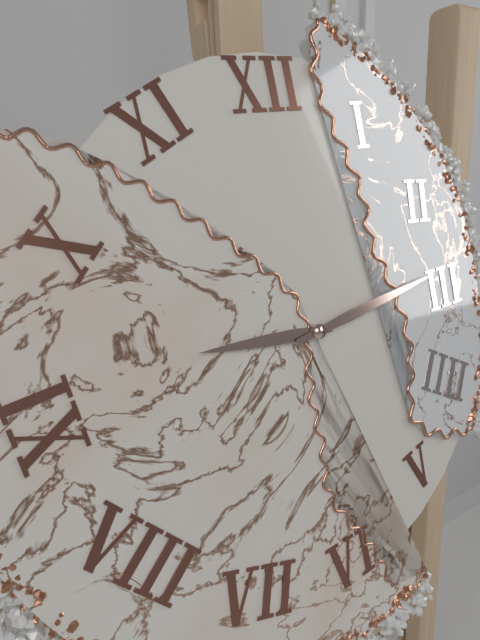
{"hour": 9, "minute": 14}
